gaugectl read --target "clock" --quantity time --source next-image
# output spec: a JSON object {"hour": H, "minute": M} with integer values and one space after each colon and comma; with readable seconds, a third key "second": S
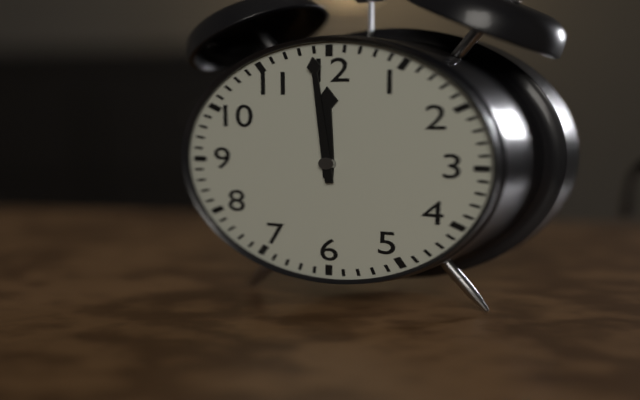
{"hour": 11, "minute": 59}
